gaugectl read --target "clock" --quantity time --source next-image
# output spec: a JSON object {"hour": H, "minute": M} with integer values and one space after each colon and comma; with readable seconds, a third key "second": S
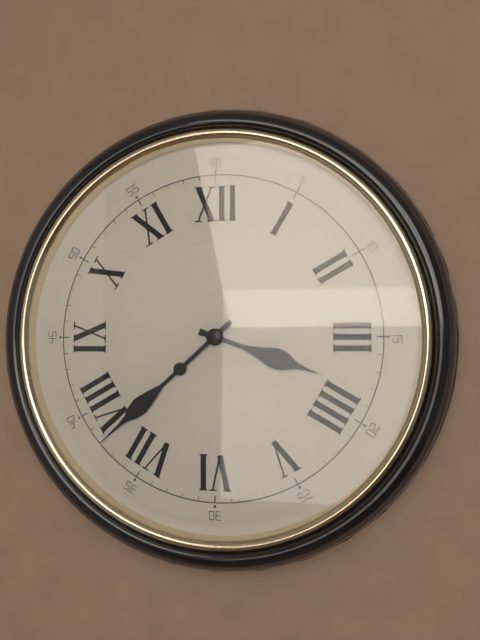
{"hour": 3, "minute": 38}
